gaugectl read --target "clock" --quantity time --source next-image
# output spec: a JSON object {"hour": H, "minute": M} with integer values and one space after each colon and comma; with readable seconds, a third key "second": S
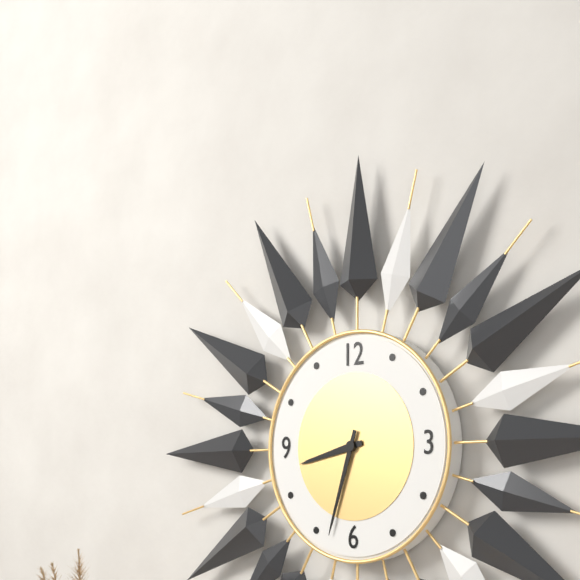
{"hour": 8, "minute": 33}
